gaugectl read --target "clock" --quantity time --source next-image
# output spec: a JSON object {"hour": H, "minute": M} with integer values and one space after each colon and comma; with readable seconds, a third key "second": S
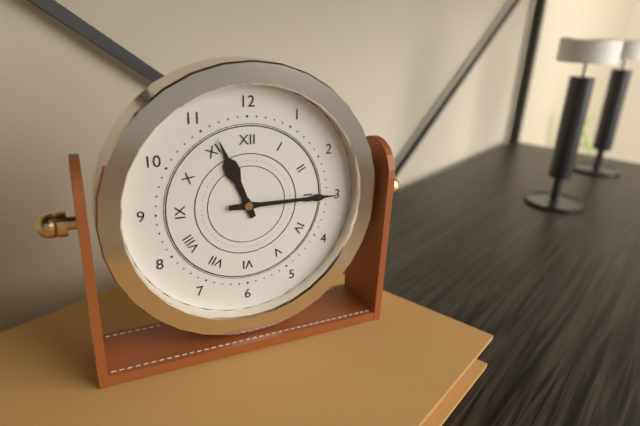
{"hour": 11, "minute": 15}
